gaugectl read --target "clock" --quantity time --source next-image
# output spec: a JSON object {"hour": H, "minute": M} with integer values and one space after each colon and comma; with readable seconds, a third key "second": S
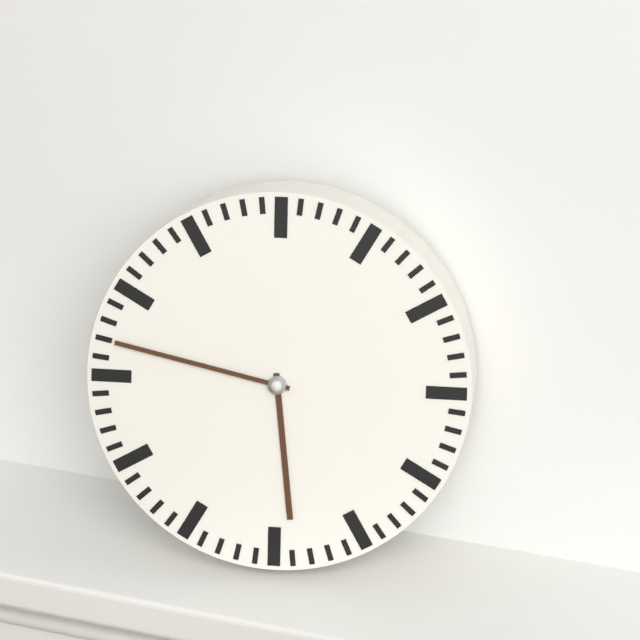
{"hour": 5, "minute": 47}
